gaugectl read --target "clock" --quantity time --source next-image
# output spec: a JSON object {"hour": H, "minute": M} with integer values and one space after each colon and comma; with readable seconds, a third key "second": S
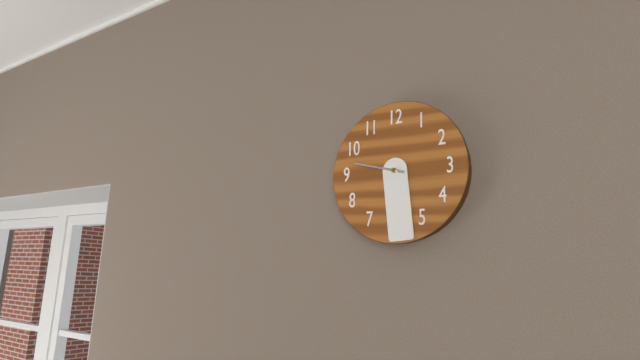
{"hour": 9, "minute": 29}
